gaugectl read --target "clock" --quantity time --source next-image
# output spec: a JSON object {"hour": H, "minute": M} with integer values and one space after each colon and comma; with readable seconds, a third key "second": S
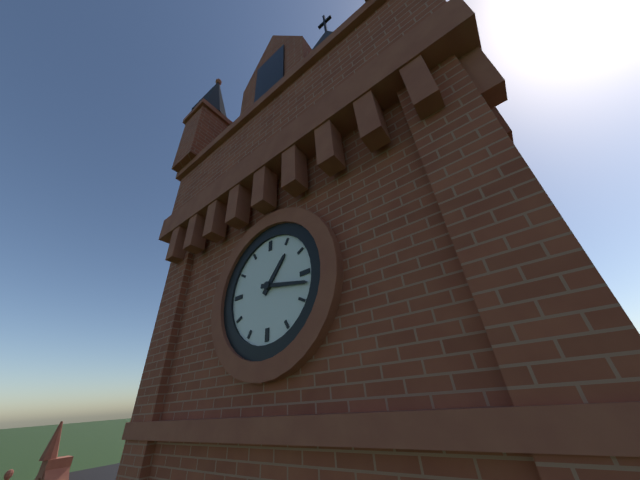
{"hour": 1, "minute": 17}
